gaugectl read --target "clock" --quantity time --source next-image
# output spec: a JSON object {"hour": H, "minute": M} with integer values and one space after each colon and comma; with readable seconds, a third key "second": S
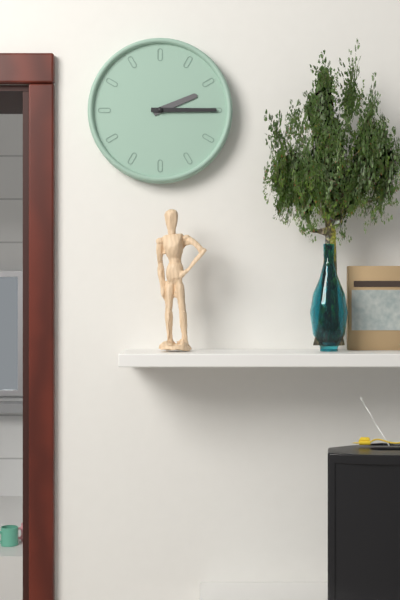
{"hour": 2, "minute": 15}
